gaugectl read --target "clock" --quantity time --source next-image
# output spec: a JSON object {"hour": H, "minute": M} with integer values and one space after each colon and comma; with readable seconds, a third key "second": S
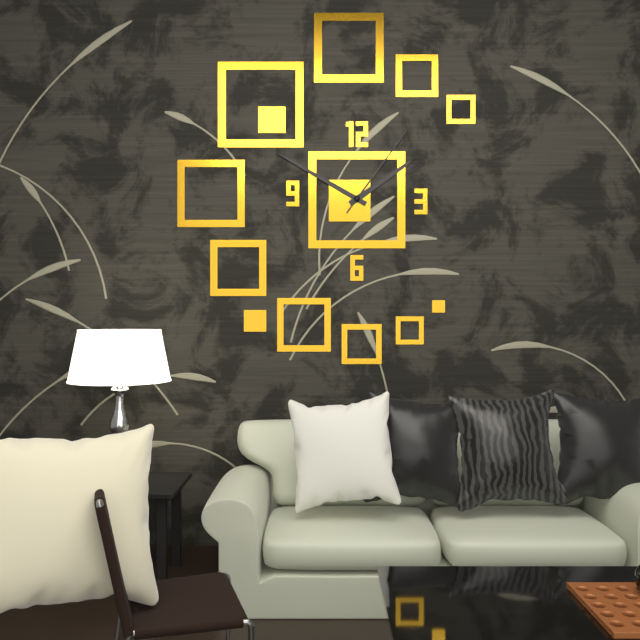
{"hour": 1, "minute": 50, "second": 6}
